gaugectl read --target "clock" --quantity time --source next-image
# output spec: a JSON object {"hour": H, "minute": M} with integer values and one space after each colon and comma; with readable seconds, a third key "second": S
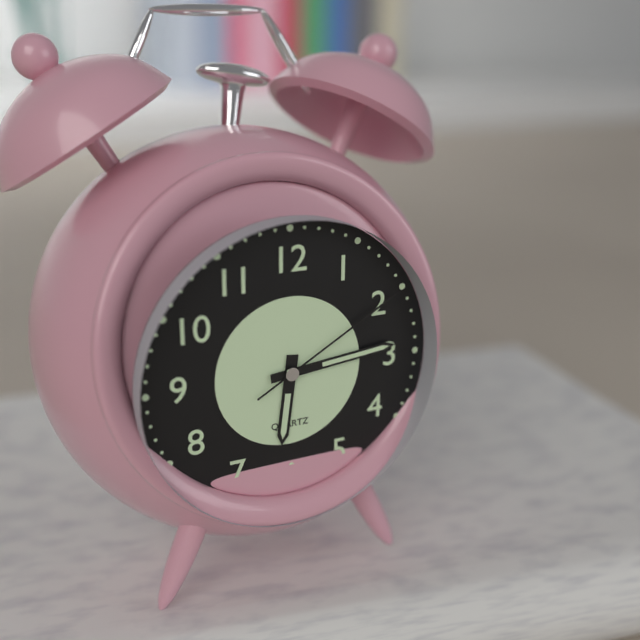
{"hour": 6, "minute": 14, "second": 10}
